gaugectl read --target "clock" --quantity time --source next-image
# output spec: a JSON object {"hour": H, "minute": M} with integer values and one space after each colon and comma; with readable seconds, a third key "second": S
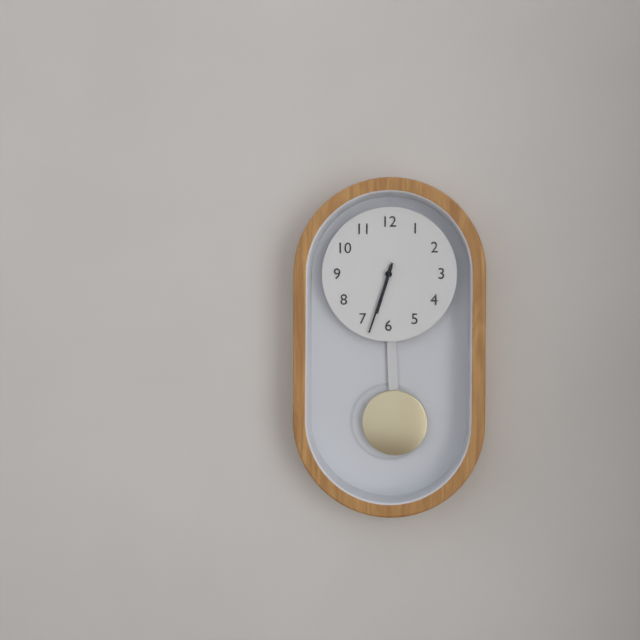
{"hour": 6, "minute": 33}
